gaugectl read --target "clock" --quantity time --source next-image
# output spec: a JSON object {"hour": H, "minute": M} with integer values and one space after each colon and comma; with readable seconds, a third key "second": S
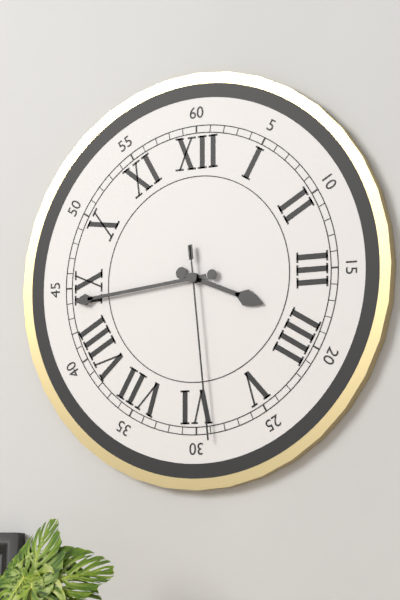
{"hour": 3, "minute": 44, "second": 29}
